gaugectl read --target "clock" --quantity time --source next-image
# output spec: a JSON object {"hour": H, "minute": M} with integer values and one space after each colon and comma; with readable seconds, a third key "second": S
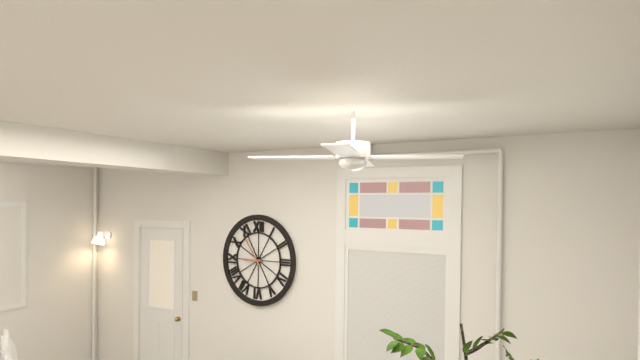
{"hour": 8, "minute": 54}
